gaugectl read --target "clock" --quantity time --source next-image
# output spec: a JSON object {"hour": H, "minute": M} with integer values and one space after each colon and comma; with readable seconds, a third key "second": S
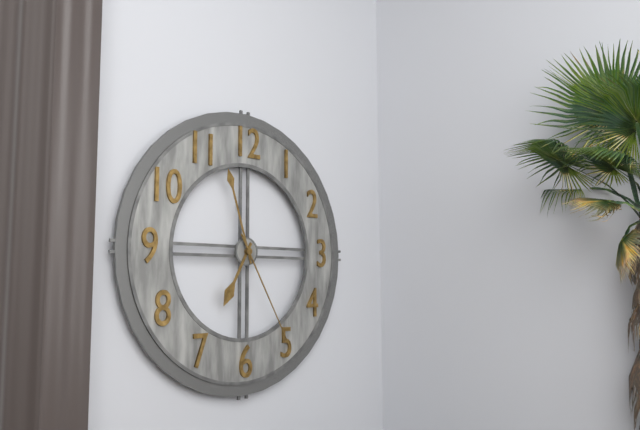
{"hour": 6, "minute": 57, "second": 25}
